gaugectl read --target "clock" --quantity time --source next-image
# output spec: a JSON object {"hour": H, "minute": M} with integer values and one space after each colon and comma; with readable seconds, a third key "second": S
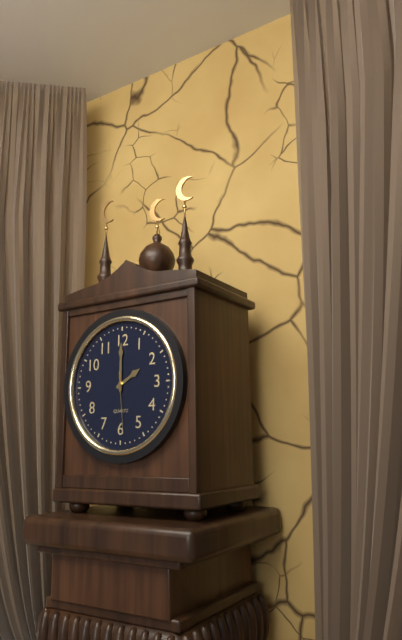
{"hour": 2, "minute": 0, "second": 29}
